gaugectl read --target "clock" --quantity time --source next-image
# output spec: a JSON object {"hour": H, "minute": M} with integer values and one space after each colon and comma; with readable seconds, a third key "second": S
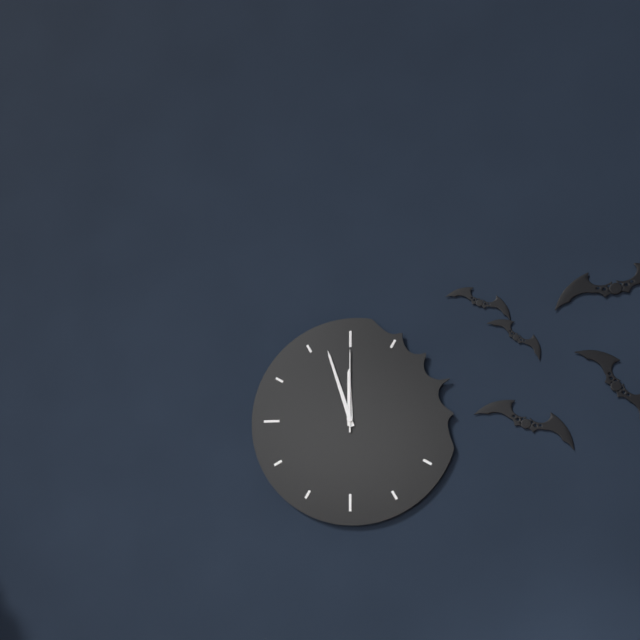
{"hour": 11, "minute": 57, "second": 0}
